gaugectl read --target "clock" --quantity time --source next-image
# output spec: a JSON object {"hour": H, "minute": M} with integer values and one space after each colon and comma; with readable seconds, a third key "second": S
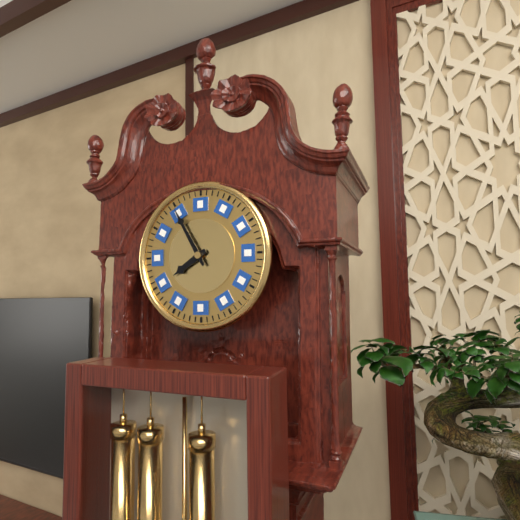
{"hour": 7, "minute": 55}
